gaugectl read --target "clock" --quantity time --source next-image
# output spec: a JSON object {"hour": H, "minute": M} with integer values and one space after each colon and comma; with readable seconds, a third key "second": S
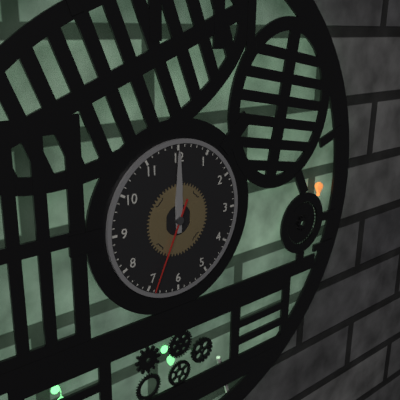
{"hour": 12, "minute": 0, "second": 34}
